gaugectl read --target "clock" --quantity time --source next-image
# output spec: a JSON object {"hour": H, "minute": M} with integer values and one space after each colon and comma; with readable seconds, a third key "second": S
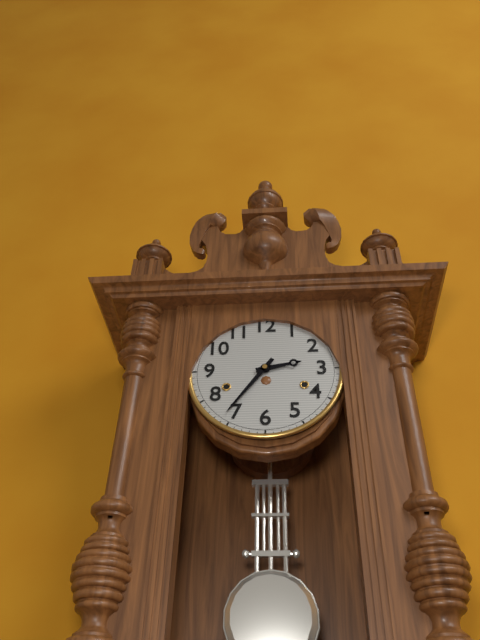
{"hour": 2, "minute": 36}
